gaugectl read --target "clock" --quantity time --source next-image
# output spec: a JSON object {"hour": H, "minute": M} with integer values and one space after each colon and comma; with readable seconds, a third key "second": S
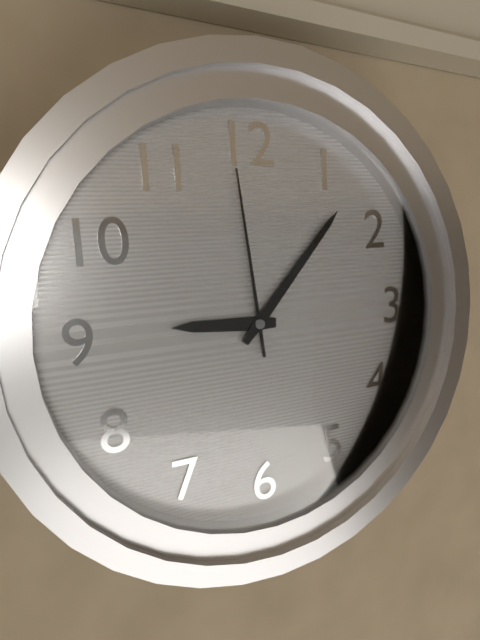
{"hour": 9, "minute": 7, "second": 59}
